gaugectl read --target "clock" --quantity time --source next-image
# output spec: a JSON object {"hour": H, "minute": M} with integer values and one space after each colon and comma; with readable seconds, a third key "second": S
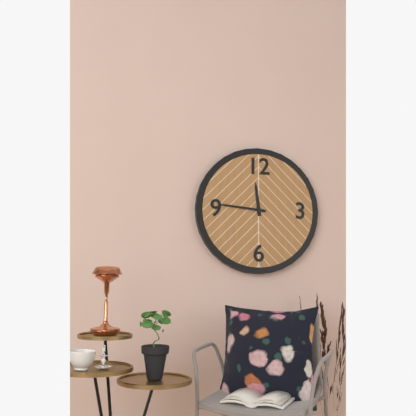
{"hour": 11, "minute": 46}
